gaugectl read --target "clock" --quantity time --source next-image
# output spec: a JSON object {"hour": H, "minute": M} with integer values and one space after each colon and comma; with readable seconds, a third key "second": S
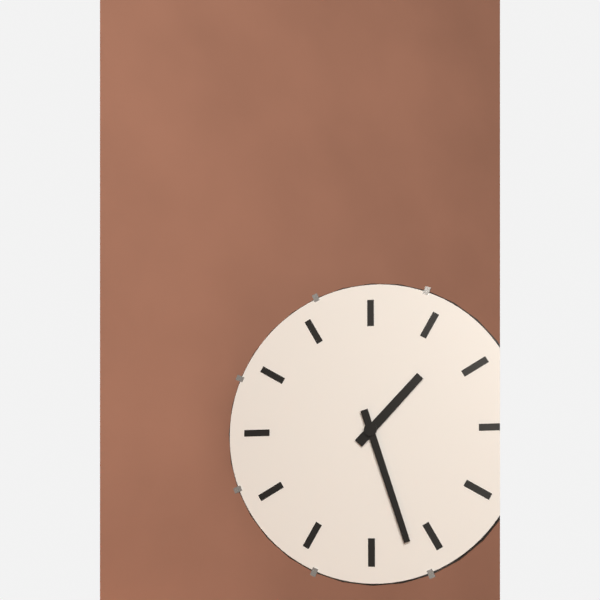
{"hour": 1, "minute": 27}
